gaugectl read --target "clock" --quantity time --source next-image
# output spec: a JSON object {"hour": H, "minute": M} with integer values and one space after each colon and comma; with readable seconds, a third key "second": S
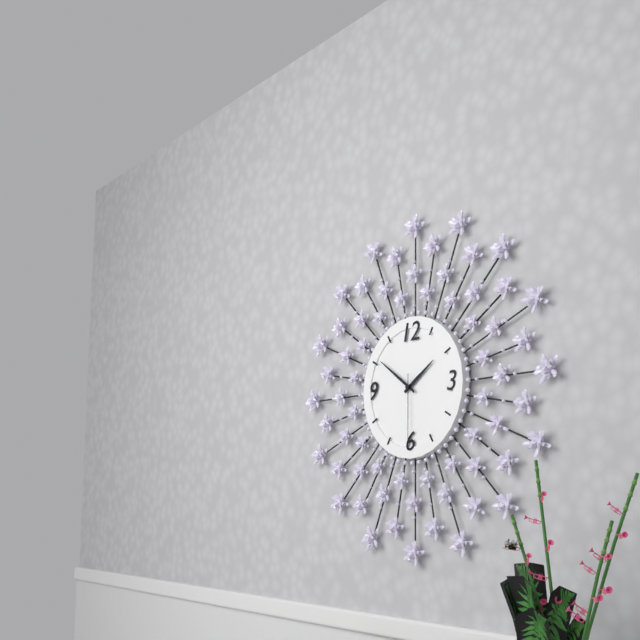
{"hour": 1, "minute": 51, "second": 30}
